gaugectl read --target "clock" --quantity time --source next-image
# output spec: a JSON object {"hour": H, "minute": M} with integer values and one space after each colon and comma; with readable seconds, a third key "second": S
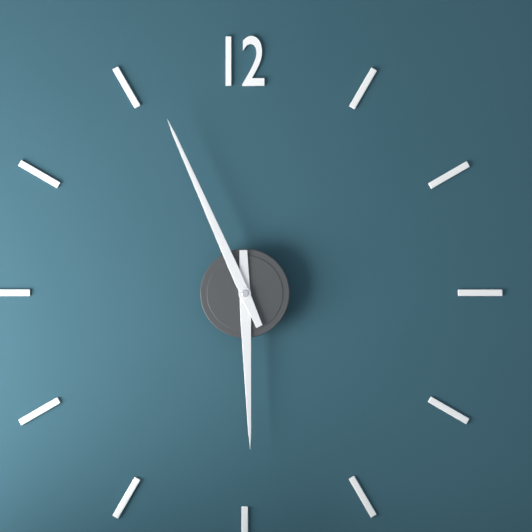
{"hour": 5, "minute": 56}
